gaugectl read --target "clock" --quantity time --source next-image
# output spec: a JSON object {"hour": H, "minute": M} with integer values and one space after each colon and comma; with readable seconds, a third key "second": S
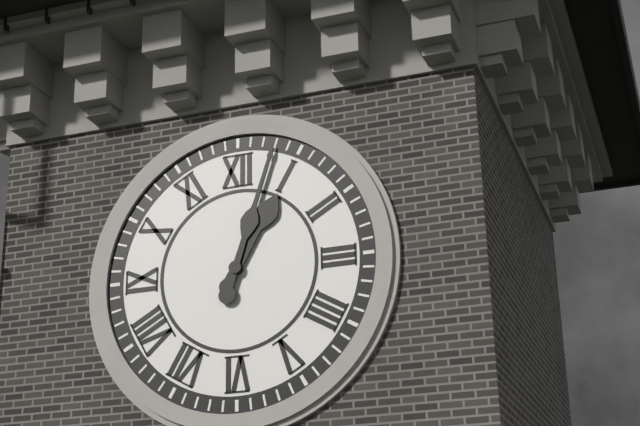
{"hour": 1, "minute": 3}
